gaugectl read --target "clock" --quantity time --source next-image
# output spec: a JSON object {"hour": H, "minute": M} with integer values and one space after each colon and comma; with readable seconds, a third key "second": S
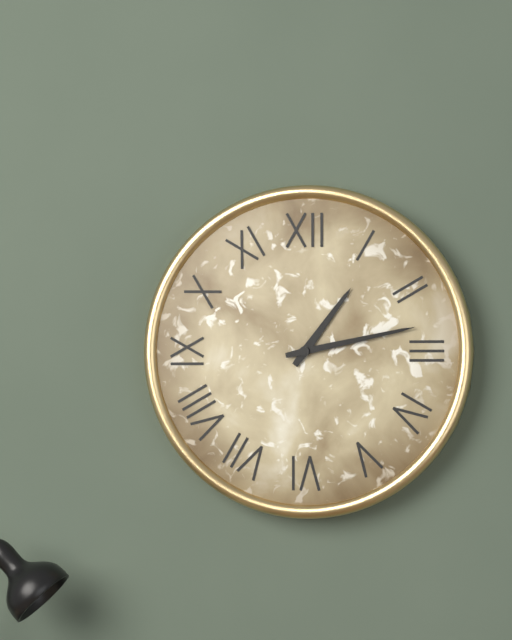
{"hour": 1, "minute": 13}
